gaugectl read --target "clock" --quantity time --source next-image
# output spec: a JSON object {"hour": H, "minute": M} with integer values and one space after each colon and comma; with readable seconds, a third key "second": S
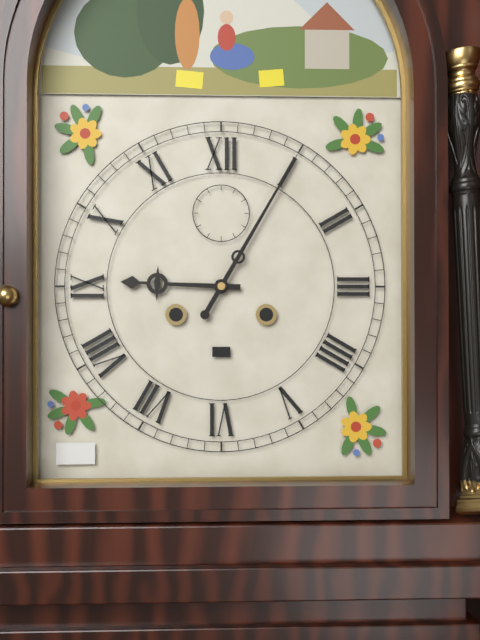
{"hour": 9, "minute": 5}
